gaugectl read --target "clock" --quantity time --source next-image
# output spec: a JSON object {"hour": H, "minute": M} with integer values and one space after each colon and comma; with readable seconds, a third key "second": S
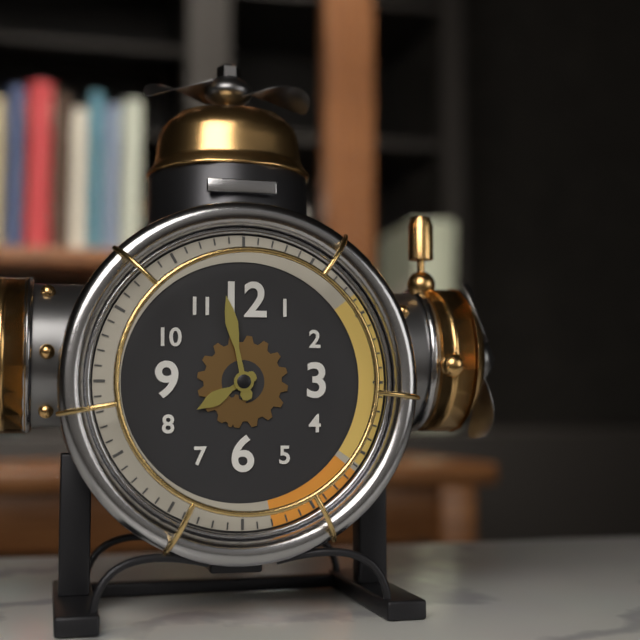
{"hour": 7, "minute": 58}
